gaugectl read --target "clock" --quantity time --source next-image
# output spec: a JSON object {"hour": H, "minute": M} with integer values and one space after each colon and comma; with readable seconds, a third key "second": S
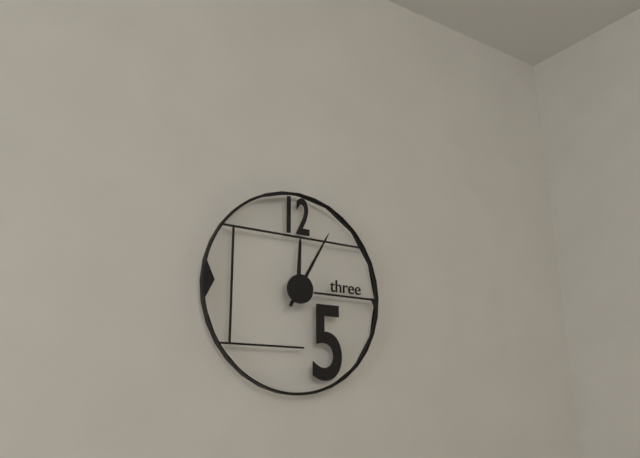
{"hour": 12, "minute": 5}
